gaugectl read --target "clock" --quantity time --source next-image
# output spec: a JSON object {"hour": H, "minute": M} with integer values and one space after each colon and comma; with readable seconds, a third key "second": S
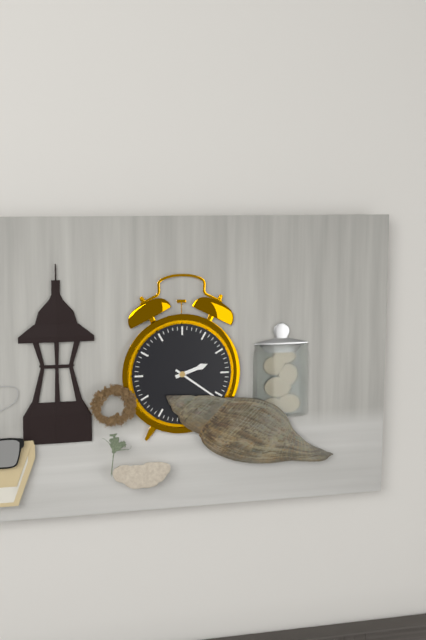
{"hour": 2, "minute": 21}
